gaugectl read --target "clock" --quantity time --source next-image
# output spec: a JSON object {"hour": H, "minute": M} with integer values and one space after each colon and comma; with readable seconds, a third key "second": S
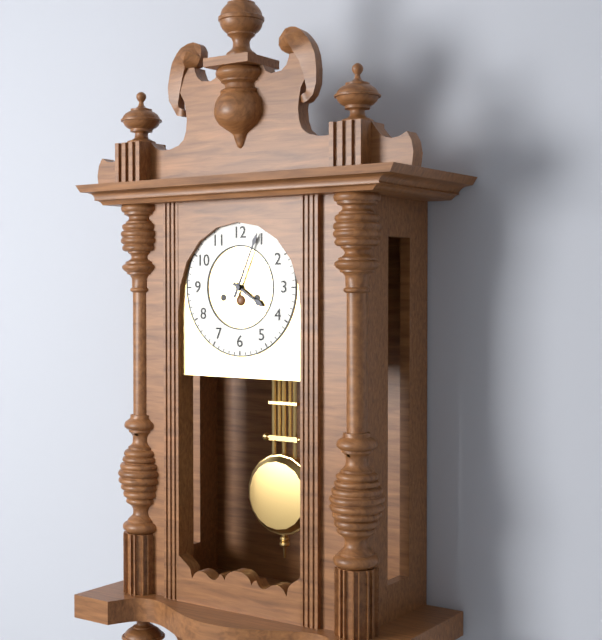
{"hour": 4, "minute": 4}
